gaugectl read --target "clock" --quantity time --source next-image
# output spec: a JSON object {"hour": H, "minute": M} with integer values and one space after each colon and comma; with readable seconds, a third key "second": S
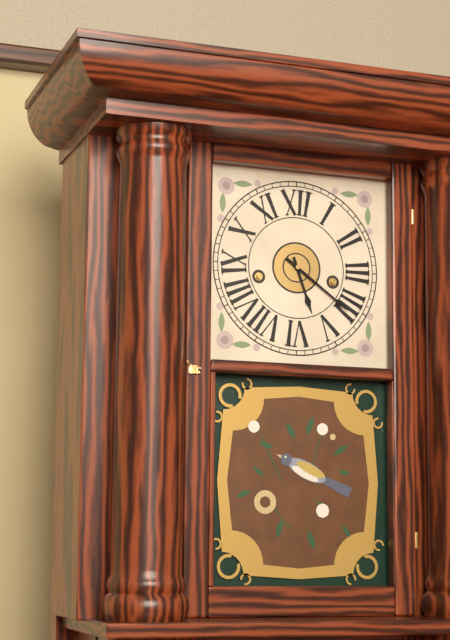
{"hour": 5, "minute": 21}
